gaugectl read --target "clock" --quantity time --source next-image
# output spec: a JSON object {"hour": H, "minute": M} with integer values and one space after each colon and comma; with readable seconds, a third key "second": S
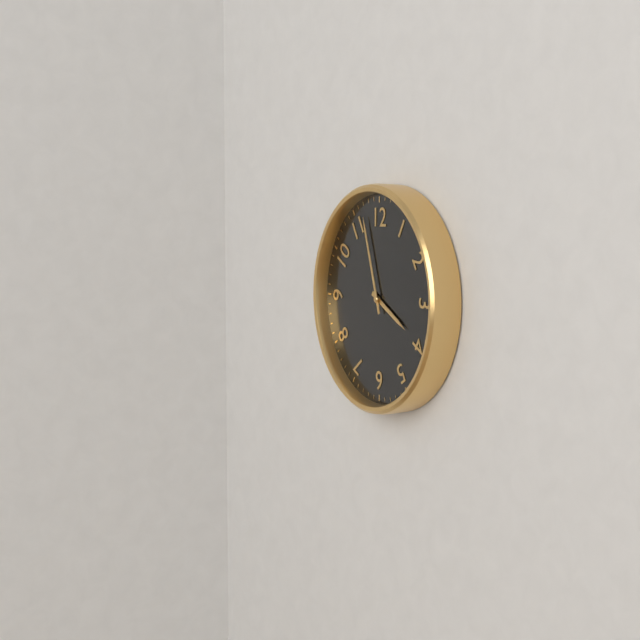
{"hour": 3, "minute": 57}
